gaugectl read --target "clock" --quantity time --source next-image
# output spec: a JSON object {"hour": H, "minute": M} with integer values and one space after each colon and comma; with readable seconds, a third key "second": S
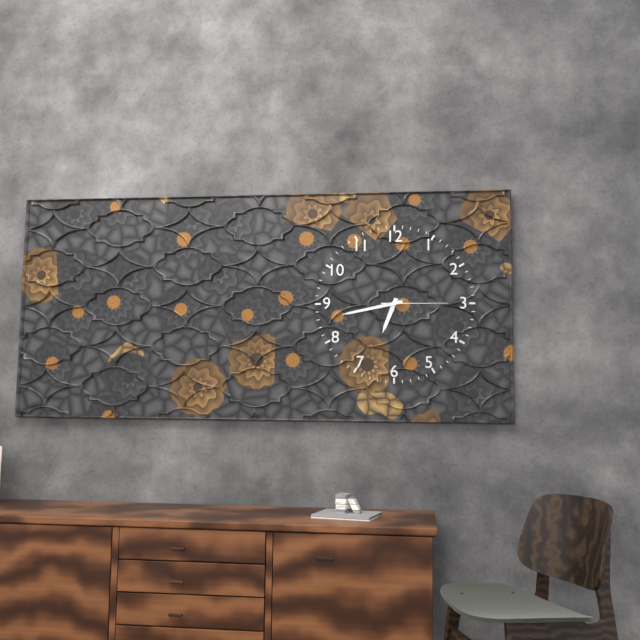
{"hour": 6, "minute": 43, "second": 15}
